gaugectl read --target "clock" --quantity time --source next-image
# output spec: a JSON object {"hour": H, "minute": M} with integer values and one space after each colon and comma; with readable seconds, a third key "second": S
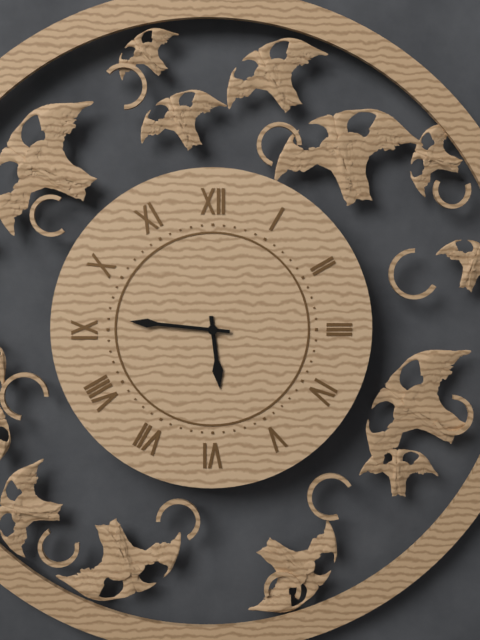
{"hour": 5, "minute": 46}
